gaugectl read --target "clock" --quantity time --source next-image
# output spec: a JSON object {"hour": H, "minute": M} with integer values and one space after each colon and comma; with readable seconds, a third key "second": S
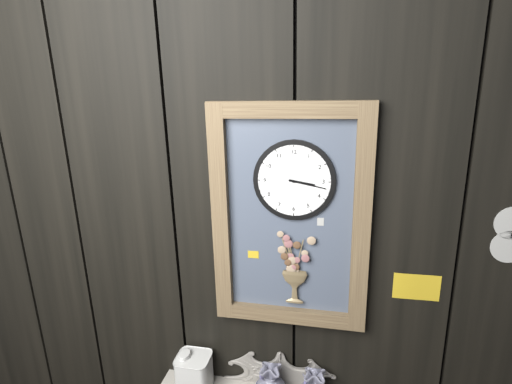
{"hour": 3, "minute": 17}
